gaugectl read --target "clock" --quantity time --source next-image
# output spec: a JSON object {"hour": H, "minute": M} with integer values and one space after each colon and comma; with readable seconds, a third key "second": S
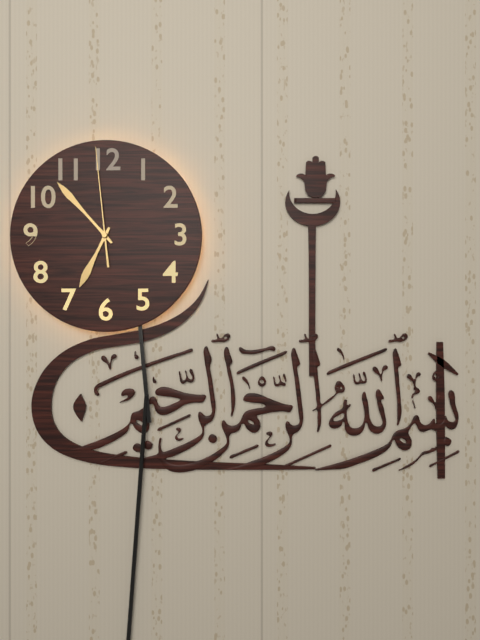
{"hour": 6, "minute": 53, "second": 59}
